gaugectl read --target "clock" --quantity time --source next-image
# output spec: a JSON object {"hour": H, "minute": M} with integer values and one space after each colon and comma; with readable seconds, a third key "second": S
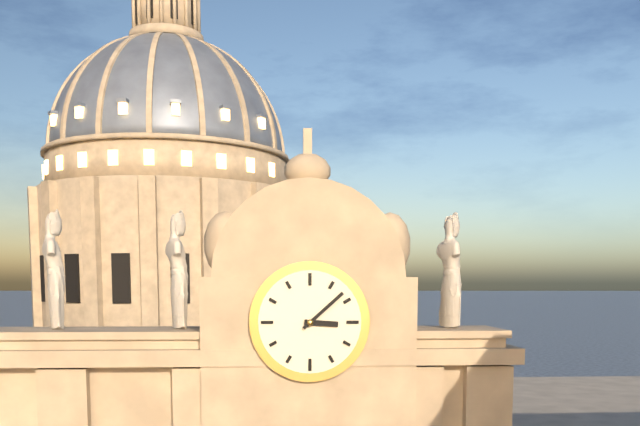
{"hour": 3, "minute": 8}
